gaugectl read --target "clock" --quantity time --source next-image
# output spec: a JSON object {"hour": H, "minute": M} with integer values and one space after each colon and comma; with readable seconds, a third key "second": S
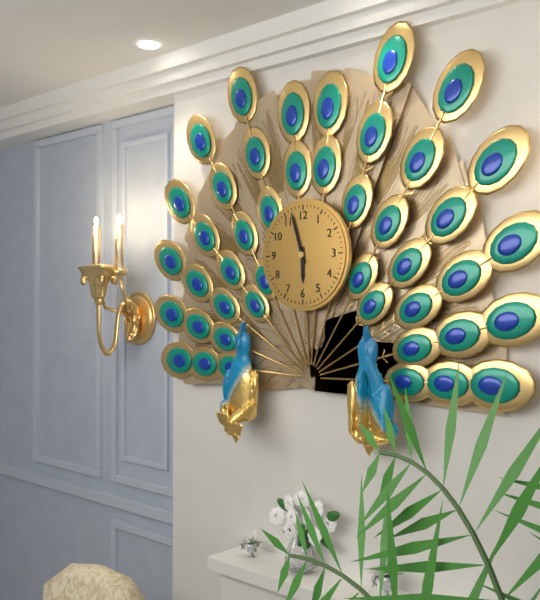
{"hour": 5, "minute": 57}
